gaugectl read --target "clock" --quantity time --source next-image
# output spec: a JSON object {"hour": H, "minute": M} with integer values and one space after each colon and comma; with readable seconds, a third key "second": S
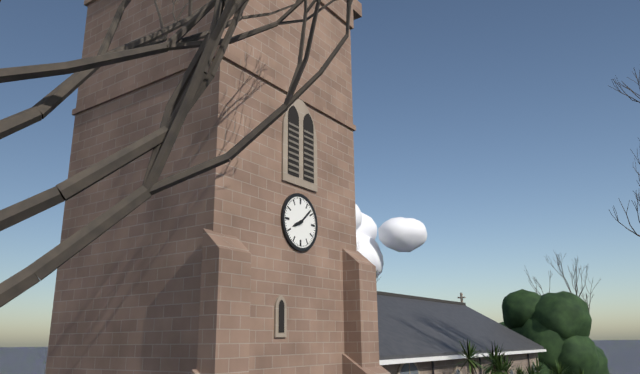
{"hour": 8, "minute": 8}
